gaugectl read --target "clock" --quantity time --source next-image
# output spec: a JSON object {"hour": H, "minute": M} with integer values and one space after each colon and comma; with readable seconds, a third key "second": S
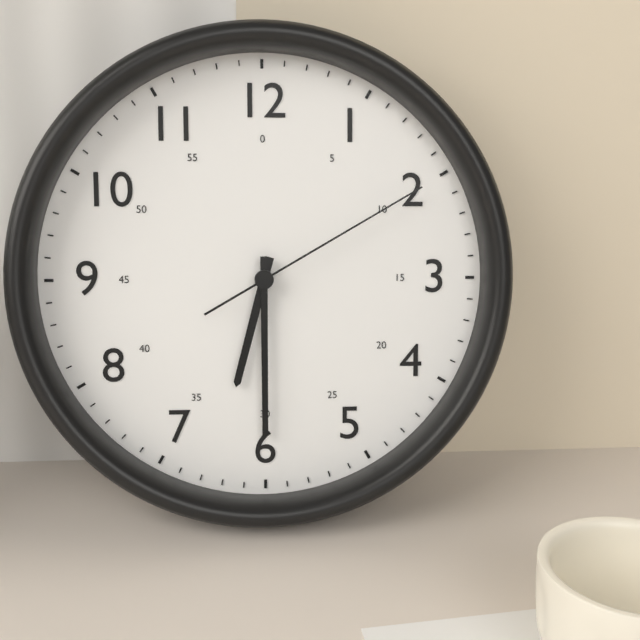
{"hour": 6, "minute": 30, "second": 10}
